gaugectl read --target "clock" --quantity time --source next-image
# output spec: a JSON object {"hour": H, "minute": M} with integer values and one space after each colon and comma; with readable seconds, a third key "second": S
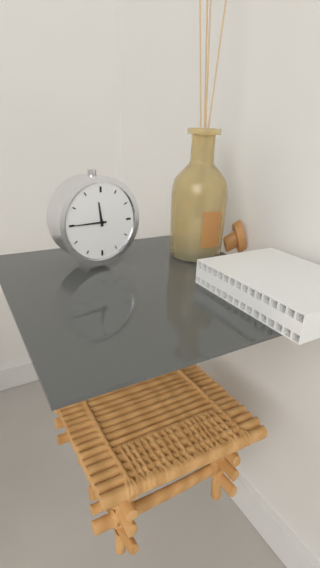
{"hour": 11, "minute": 45}
